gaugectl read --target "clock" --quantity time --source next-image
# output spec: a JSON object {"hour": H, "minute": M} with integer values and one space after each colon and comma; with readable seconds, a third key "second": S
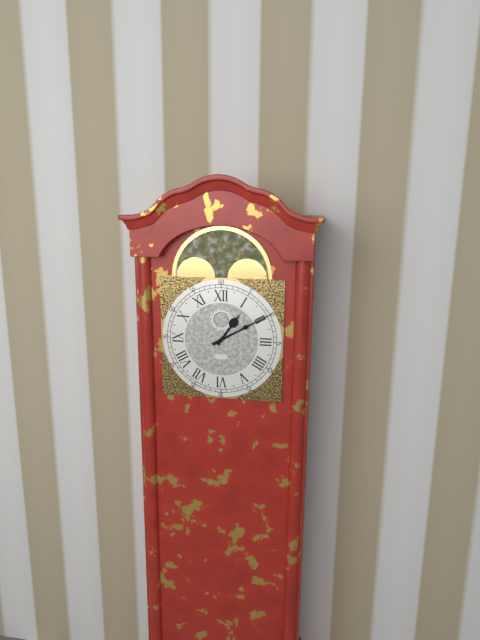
{"hour": 1, "minute": 10}
